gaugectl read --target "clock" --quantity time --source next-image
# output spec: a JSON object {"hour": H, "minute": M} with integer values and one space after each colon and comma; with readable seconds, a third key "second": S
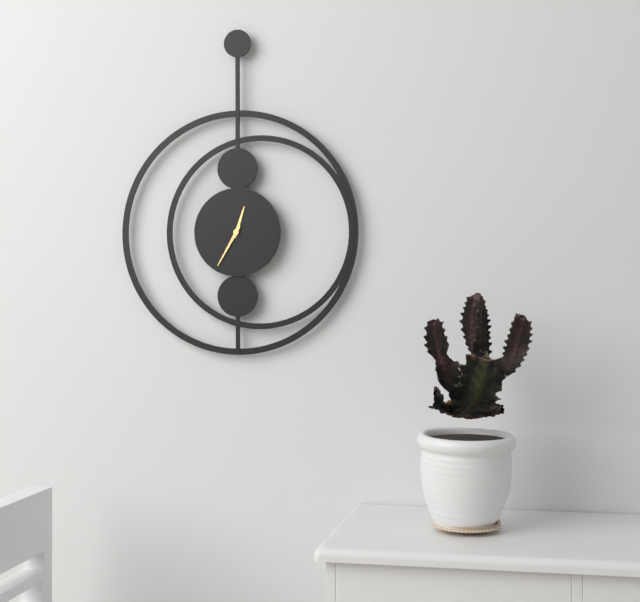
{"hour": 12, "minute": 35}
